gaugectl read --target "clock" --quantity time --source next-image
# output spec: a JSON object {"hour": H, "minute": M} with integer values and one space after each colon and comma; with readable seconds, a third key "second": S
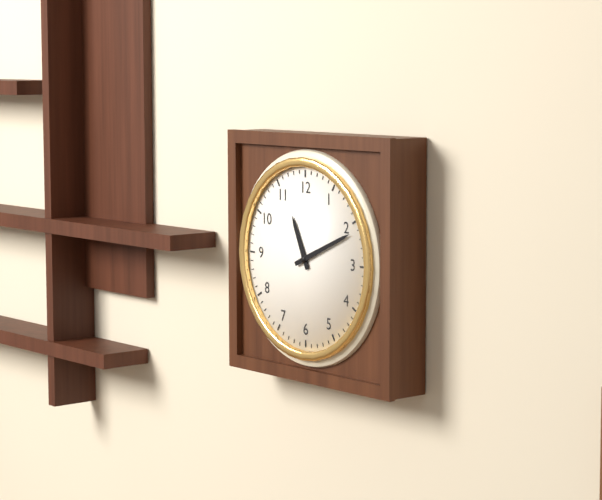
{"hour": 11, "minute": 11}
